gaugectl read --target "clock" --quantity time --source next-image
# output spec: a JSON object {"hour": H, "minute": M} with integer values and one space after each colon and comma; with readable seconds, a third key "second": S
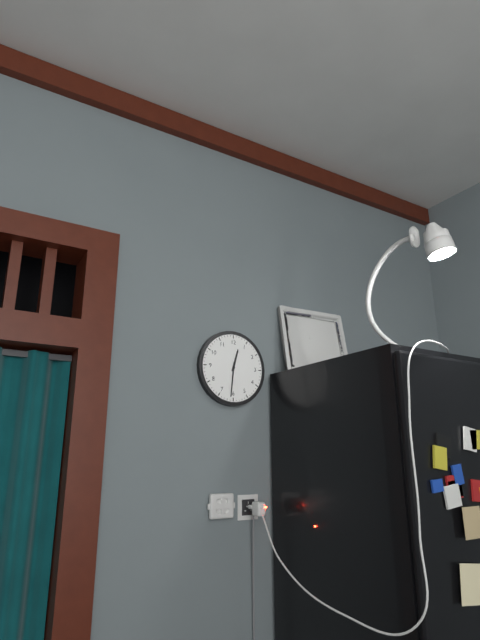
{"hour": 12, "minute": 31}
